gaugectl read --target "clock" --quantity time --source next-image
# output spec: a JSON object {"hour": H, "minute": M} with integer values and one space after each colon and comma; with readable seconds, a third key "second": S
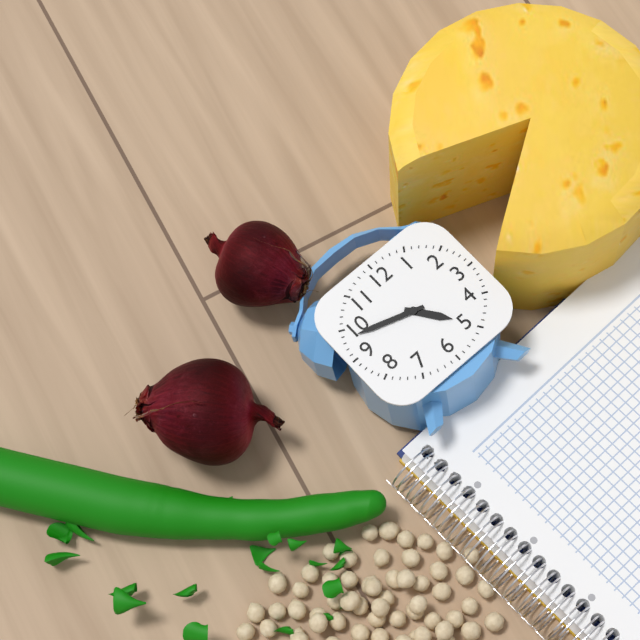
{"hour": 4, "minute": 48}
